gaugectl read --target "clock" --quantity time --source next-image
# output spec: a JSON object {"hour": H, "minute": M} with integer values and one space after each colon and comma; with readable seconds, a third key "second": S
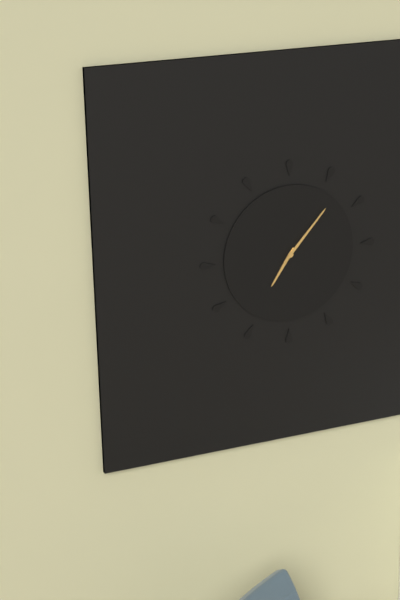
{"hour": 7, "minute": 7}
